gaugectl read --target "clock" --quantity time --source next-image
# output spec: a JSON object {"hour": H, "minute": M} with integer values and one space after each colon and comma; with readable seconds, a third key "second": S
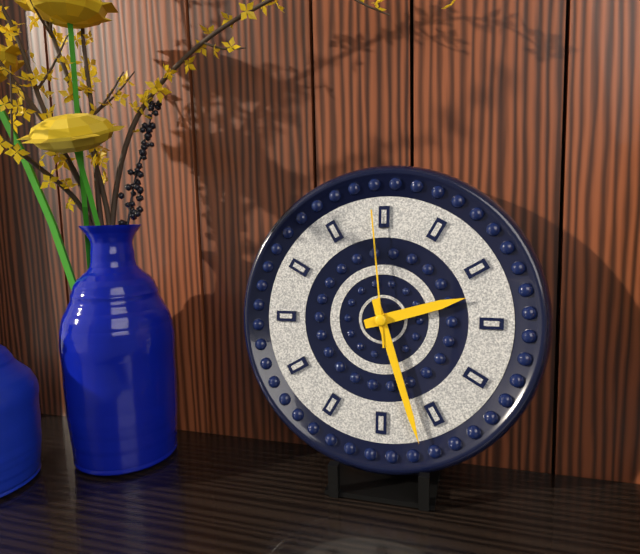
{"hour": 2, "minute": 27, "second": 59}
